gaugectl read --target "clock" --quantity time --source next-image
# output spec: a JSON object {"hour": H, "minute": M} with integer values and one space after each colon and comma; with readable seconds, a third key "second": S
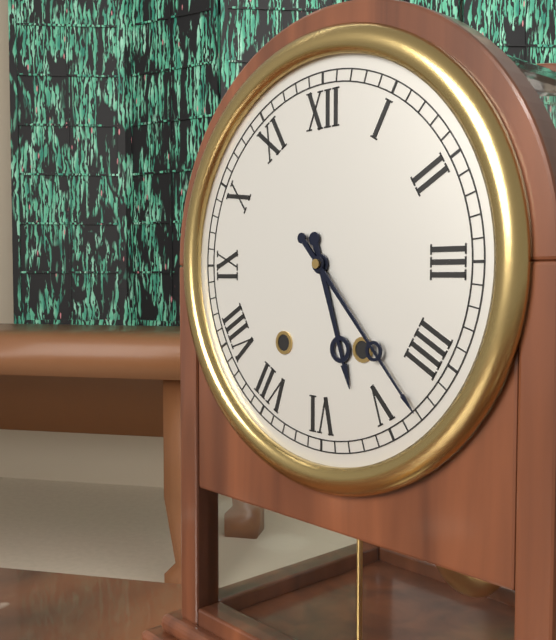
{"hour": 5, "minute": 23}
